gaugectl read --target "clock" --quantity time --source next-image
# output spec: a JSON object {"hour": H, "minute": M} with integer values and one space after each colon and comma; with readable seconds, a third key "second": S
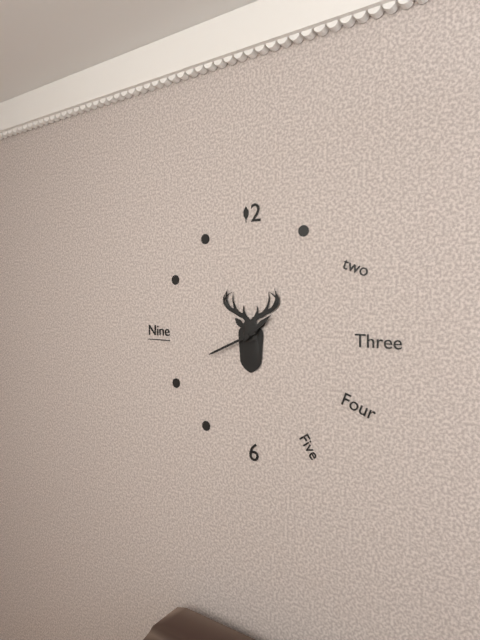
{"hour": 1, "minute": 41}
